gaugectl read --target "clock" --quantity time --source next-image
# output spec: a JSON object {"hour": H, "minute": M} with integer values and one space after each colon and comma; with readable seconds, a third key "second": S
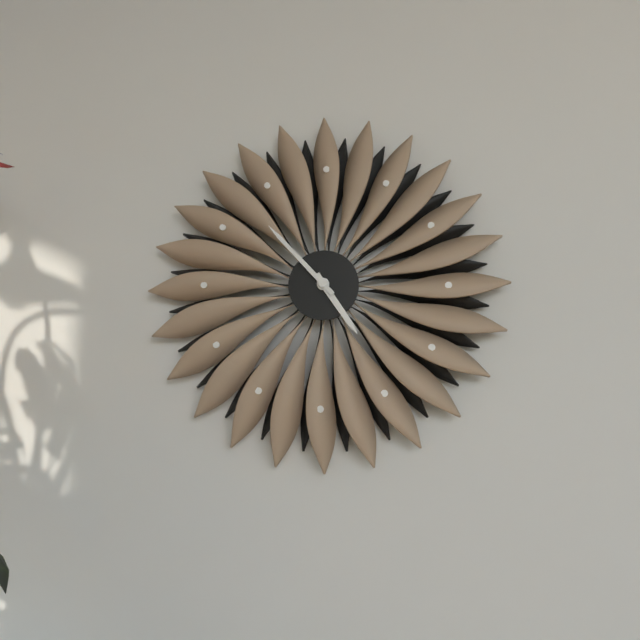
{"hour": 4, "minute": 53}
